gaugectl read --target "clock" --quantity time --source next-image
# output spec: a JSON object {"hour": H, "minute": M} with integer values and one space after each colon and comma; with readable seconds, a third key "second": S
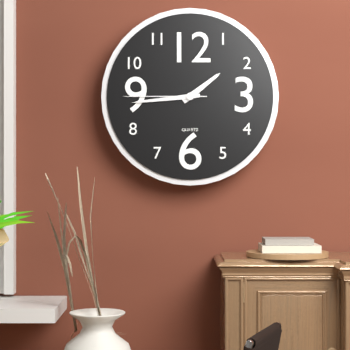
{"hour": 1, "minute": 44, "second": 45}
